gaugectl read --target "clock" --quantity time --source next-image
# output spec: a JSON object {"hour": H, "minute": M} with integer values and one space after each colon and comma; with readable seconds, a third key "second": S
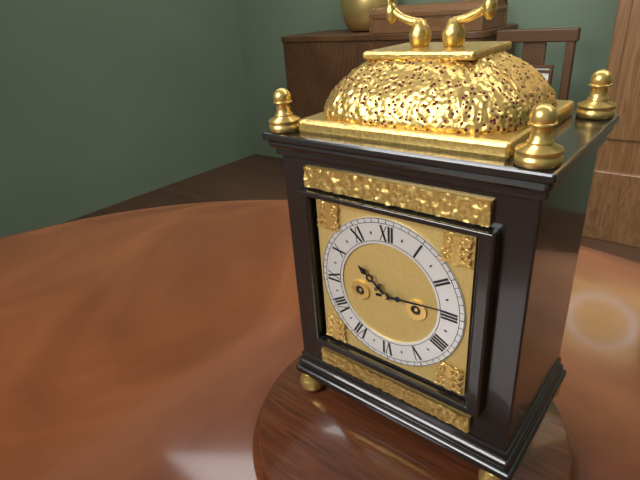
{"hour": 10, "minute": 14}
